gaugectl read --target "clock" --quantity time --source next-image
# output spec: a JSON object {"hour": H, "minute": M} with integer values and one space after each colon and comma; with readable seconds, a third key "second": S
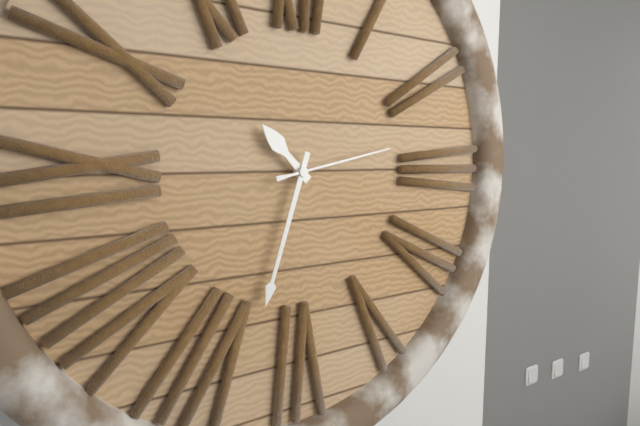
{"hour": 10, "minute": 33, "second": 13}
